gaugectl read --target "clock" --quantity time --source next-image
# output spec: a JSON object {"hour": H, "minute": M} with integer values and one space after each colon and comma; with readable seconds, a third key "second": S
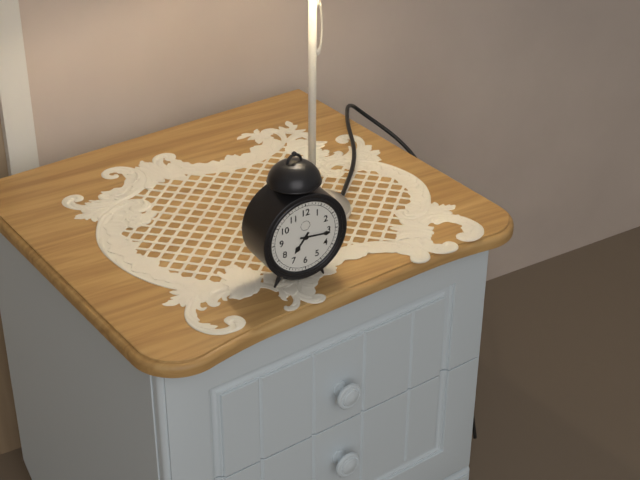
{"hour": 7, "minute": 16}
